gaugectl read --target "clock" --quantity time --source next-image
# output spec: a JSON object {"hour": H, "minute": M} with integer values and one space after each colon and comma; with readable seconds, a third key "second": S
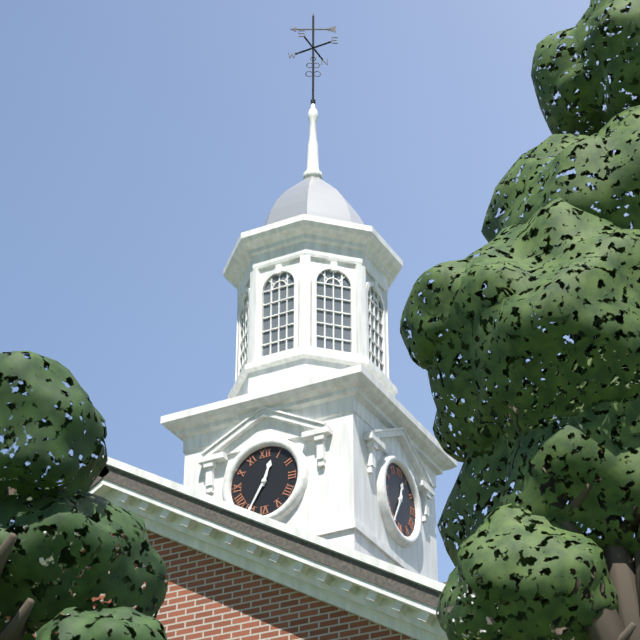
{"hour": 12, "minute": 35}
